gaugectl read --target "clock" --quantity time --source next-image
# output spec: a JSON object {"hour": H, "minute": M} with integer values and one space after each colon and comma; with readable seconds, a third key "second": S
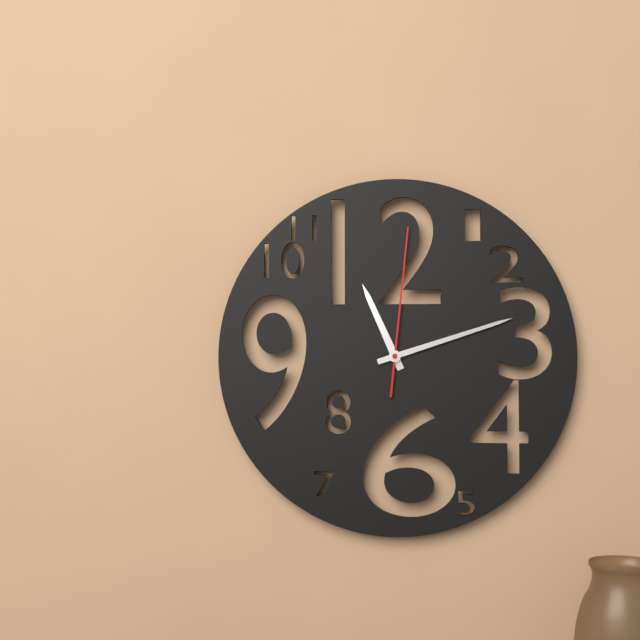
{"hour": 11, "minute": 12, "second": 1}
